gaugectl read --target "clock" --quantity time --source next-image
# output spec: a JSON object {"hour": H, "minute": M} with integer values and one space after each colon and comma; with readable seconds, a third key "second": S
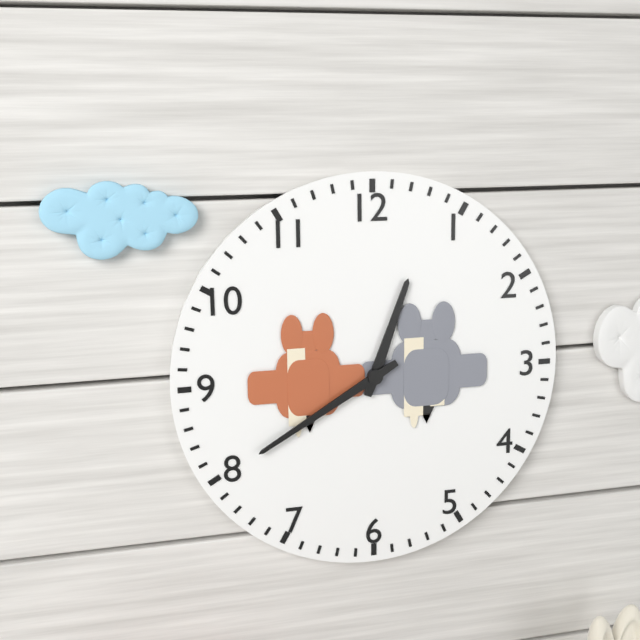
{"hour": 12, "minute": 40}
